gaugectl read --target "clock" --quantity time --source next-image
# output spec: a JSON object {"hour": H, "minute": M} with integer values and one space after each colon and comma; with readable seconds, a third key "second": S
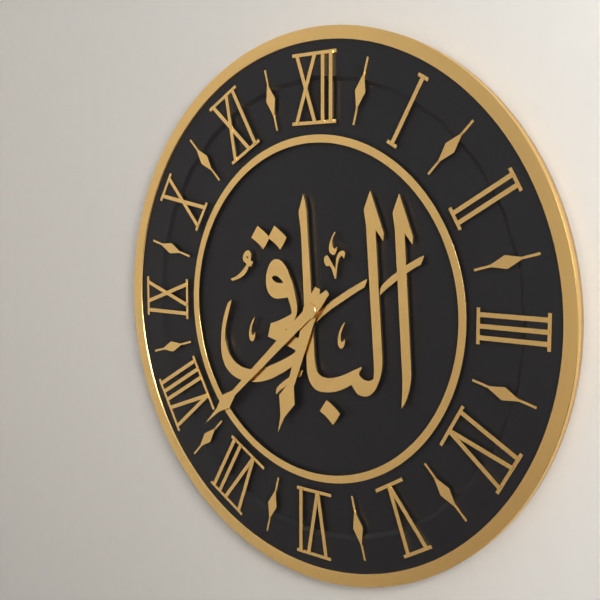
{"hour": 6, "minute": 38}
